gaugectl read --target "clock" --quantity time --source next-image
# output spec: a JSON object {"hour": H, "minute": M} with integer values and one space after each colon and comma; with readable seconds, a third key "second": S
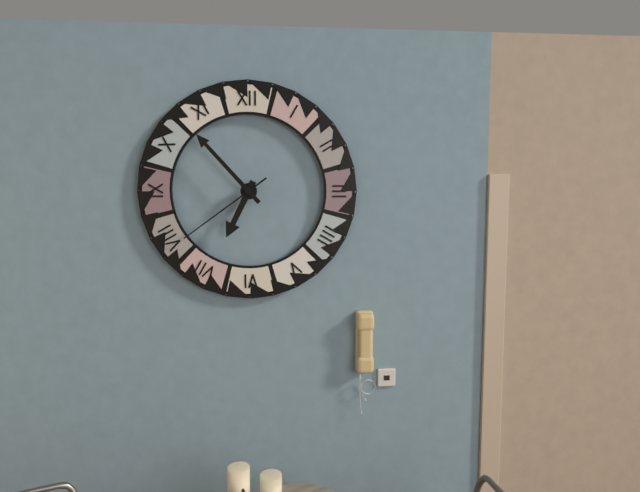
{"hour": 6, "minute": 53, "second": 39}
